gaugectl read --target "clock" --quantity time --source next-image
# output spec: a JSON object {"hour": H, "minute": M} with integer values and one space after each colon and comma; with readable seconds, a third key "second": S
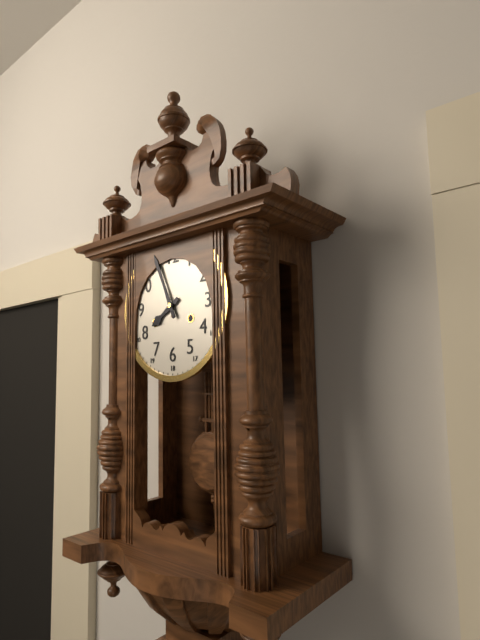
{"hour": 7, "minute": 56}
